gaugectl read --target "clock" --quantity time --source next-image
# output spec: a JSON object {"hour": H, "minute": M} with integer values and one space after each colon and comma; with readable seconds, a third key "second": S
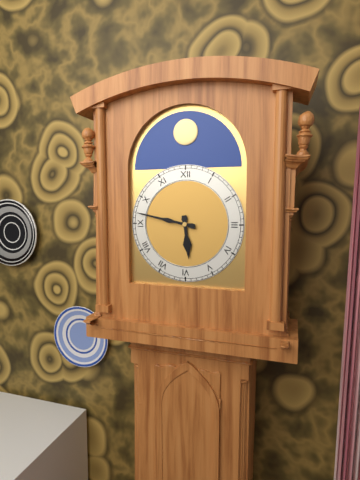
{"hour": 5, "minute": 47}
